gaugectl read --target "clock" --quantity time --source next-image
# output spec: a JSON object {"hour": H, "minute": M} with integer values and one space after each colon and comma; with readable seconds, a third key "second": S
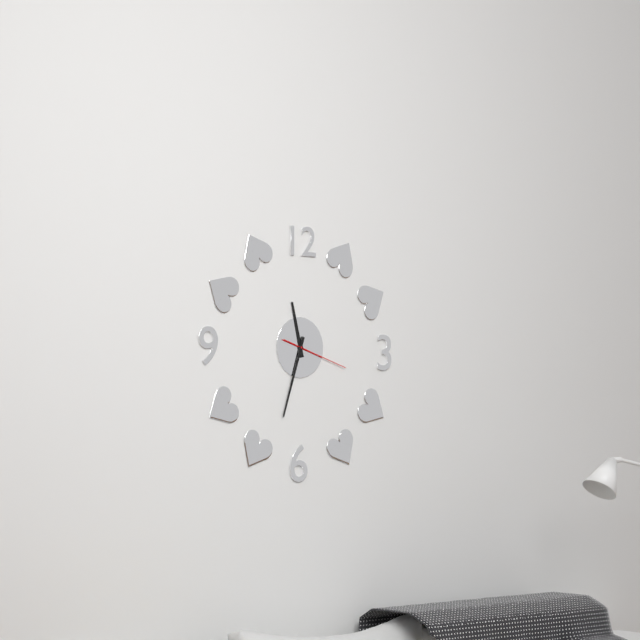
{"hour": 11, "minute": 33, "second": 18}
